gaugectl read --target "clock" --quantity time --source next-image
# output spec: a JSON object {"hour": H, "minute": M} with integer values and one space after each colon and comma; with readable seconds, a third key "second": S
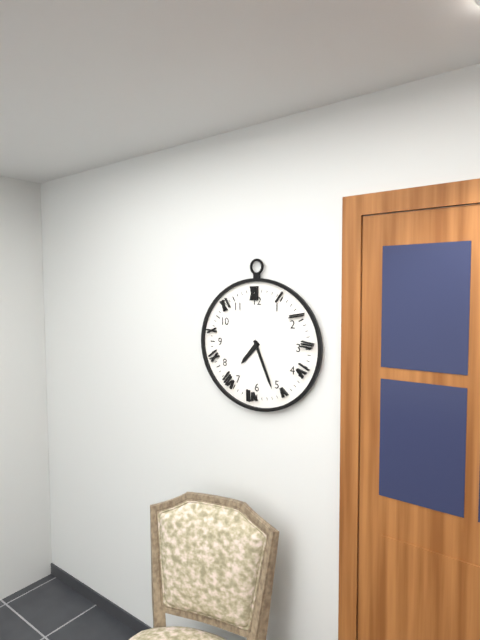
{"hour": 7, "minute": 26}
